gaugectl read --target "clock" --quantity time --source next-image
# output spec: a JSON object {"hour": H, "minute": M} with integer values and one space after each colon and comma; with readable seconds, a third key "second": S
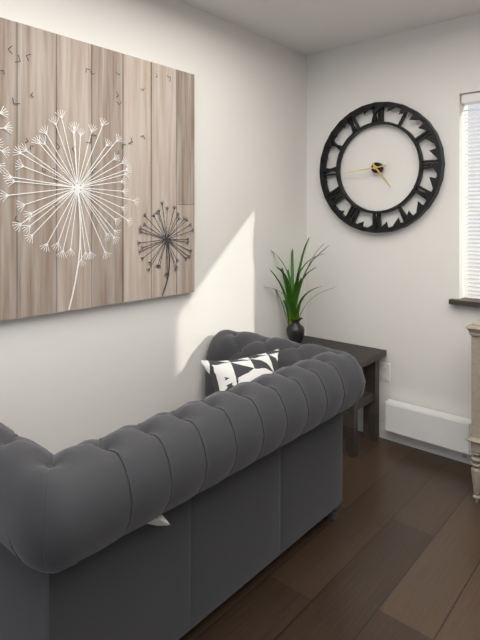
{"hour": 4, "minute": 44}
